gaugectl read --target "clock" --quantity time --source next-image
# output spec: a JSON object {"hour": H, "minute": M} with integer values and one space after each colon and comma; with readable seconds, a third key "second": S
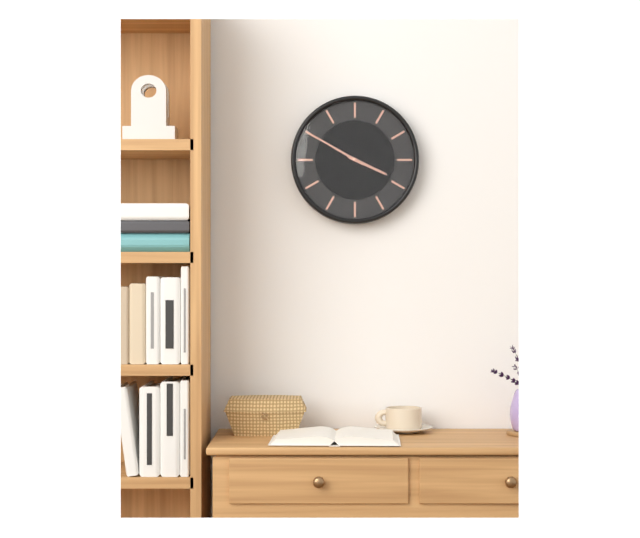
{"hour": 3, "minute": 50}
